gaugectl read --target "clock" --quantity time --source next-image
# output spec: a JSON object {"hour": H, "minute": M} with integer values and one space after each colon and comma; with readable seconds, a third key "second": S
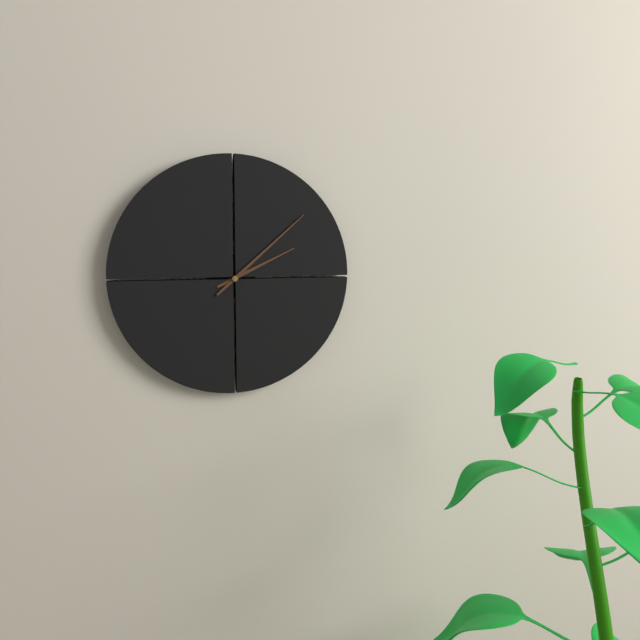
{"hour": 2, "minute": 8}
